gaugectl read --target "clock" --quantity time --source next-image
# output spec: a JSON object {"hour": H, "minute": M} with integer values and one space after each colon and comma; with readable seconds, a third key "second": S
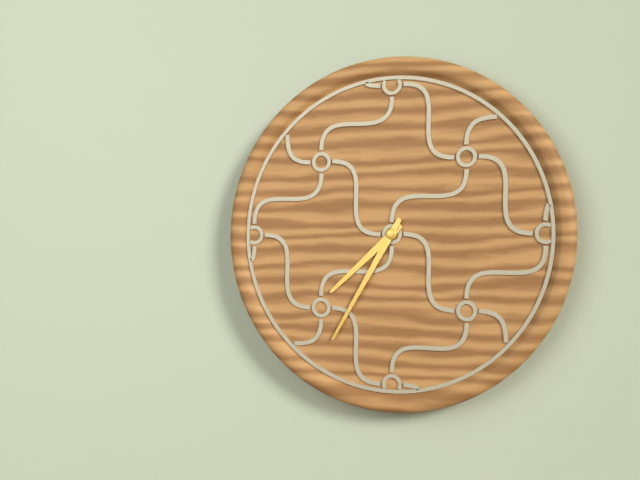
{"hour": 7, "minute": 35}
